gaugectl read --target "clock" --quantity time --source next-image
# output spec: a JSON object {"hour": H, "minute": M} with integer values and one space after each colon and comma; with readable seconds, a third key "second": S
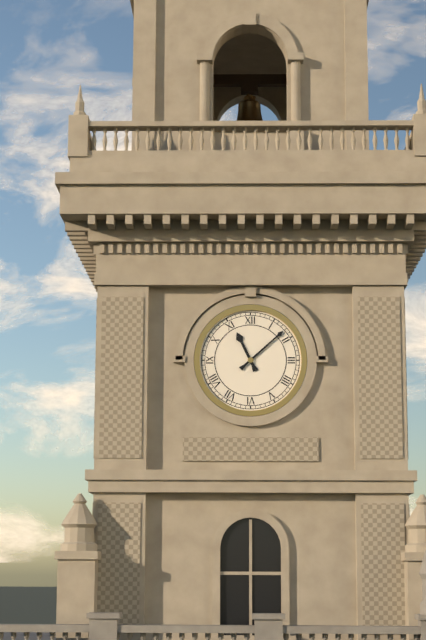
{"hour": 11, "minute": 8}
